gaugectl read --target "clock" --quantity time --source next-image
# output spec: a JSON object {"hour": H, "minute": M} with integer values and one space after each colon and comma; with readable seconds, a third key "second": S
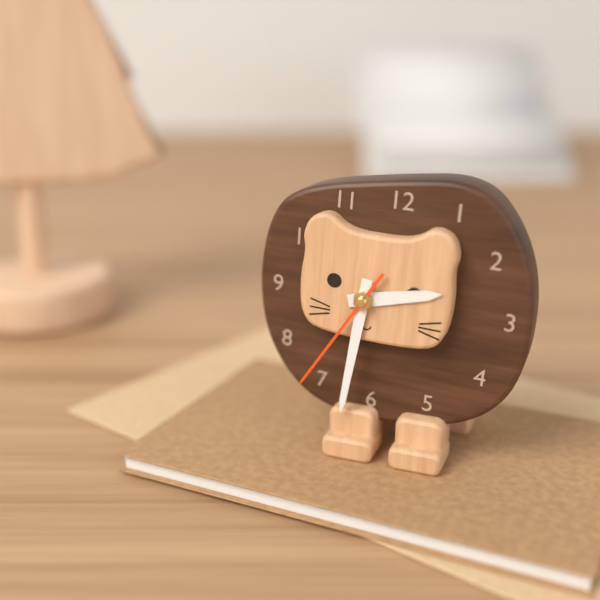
{"hour": 2, "minute": 31, "second": 35}
